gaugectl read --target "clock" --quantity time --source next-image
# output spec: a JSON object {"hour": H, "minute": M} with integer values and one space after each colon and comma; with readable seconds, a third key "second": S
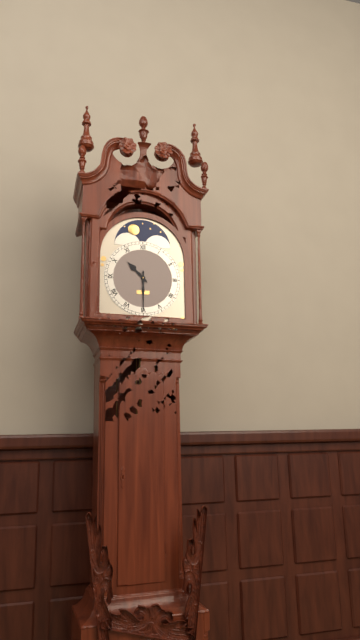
{"hour": 10, "minute": 30}
